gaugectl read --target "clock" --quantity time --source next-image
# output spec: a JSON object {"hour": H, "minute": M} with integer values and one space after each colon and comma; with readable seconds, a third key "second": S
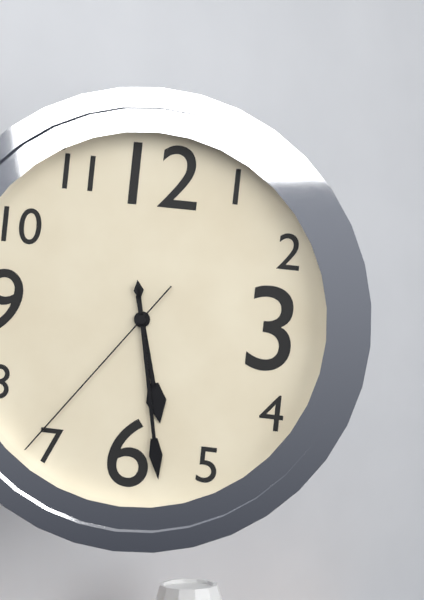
{"hour": 5, "minute": 28, "second": 36}
